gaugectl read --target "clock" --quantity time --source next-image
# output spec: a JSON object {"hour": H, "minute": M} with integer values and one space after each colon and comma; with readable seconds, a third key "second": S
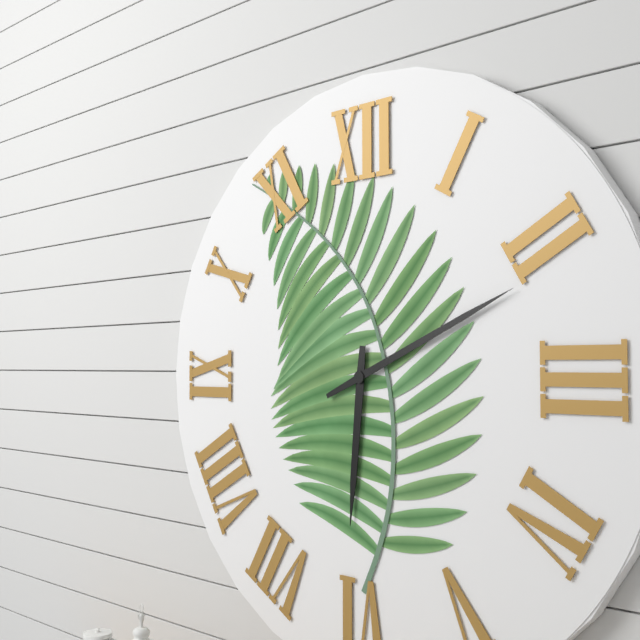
{"hour": 6, "minute": 11}
